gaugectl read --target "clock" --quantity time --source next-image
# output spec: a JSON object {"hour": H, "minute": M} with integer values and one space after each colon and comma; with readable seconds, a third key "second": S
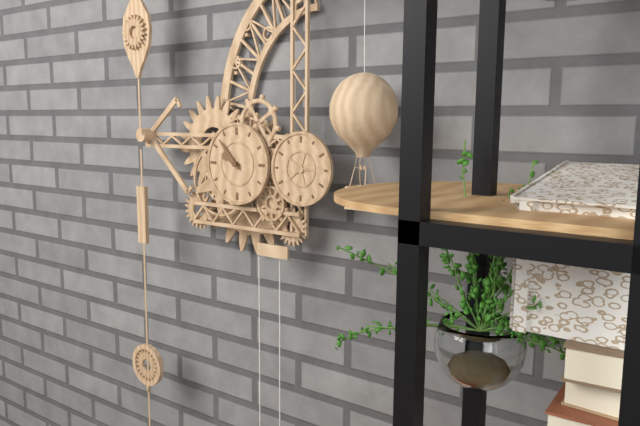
{"hour": 9, "minute": 53}
